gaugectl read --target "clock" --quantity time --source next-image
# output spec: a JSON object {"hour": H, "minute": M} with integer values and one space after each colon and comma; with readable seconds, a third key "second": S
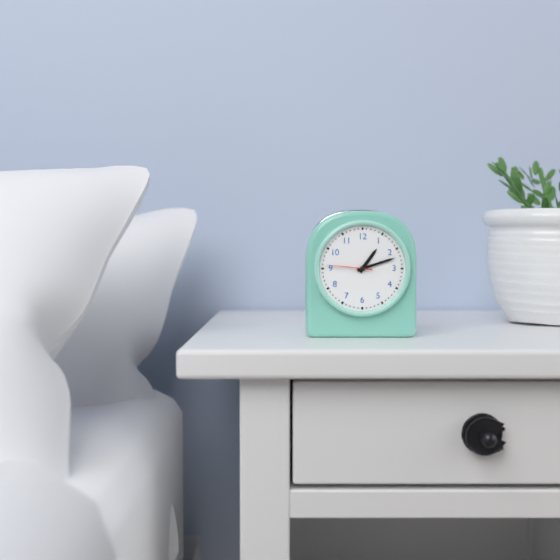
{"hour": 1, "minute": 12}
